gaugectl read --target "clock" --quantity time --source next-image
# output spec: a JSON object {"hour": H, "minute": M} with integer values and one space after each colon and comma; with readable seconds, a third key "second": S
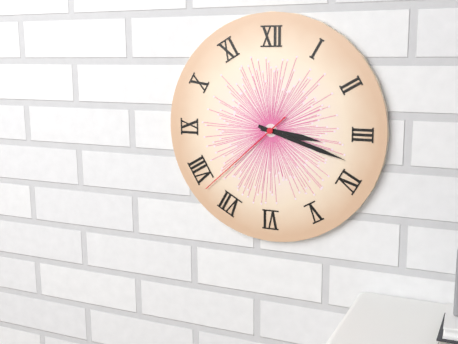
{"hour": 3, "minute": 18, "second": 38}
